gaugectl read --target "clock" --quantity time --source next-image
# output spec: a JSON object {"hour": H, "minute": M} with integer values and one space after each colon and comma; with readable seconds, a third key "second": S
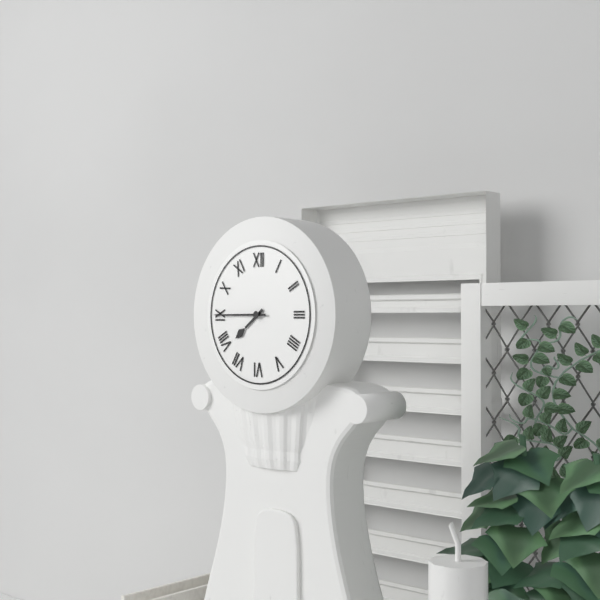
{"hour": 7, "minute": 45}
